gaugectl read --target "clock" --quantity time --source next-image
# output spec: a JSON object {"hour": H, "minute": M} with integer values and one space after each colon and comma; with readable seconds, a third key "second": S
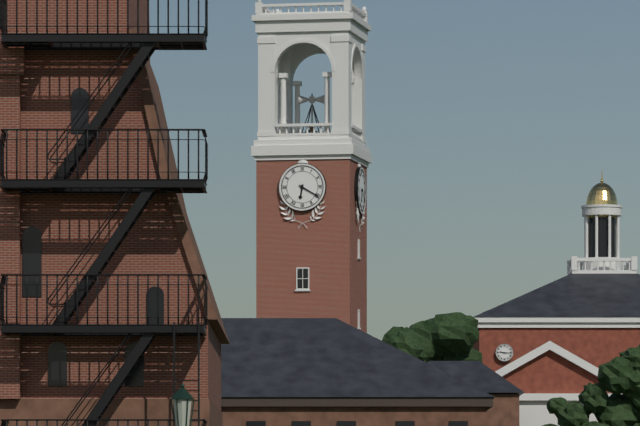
{"hour": 6, "minute": 20}
